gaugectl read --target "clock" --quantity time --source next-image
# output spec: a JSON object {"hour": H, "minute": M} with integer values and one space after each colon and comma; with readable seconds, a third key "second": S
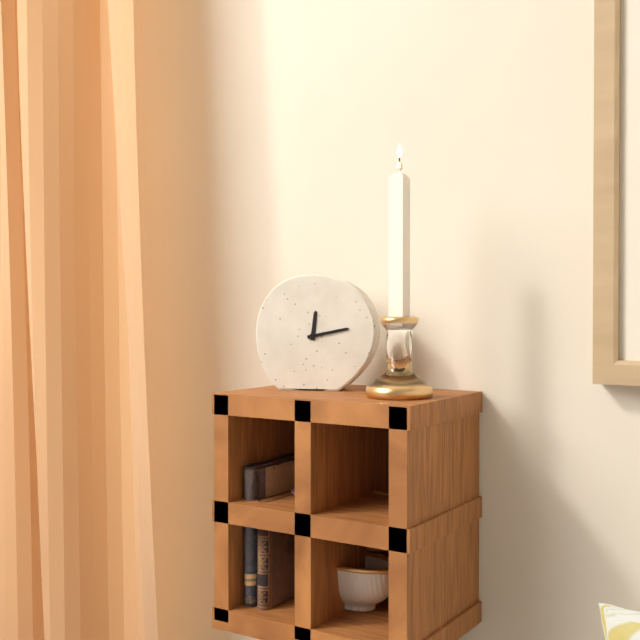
{"hour": 12, "minute": 13}
